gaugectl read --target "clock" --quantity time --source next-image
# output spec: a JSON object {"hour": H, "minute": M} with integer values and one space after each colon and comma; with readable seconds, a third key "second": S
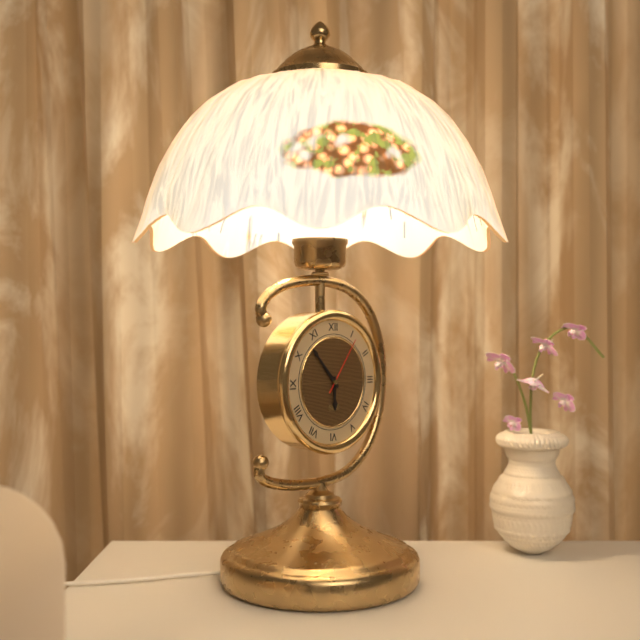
{"hour": 5, "minute": 53, "second": 6}
